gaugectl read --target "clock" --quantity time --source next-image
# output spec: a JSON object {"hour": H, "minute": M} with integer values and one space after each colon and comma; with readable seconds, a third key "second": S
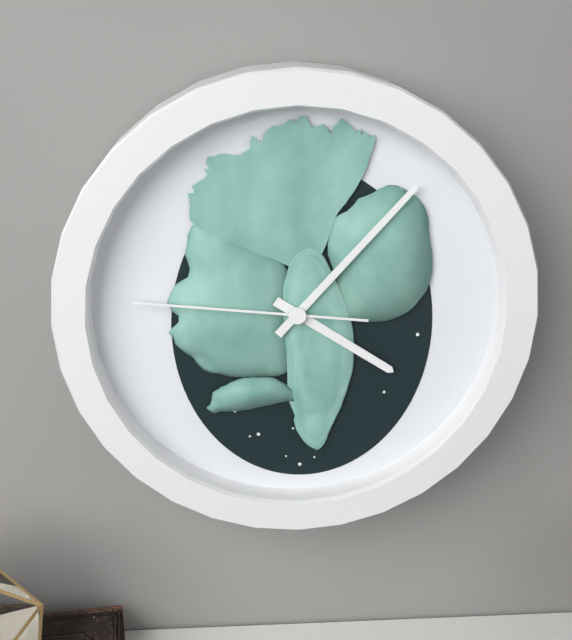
{"hour": 4, "minute": 7, "second": 46}
